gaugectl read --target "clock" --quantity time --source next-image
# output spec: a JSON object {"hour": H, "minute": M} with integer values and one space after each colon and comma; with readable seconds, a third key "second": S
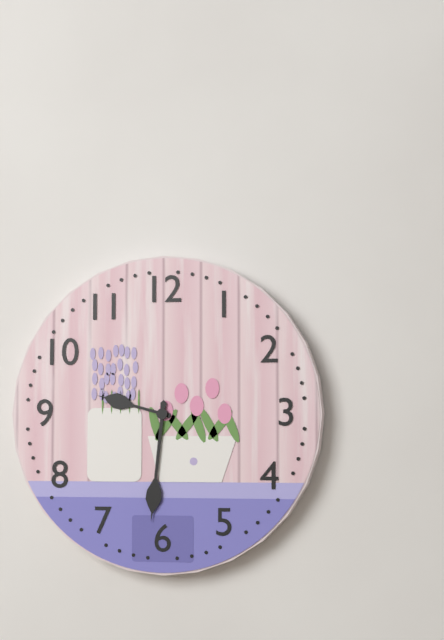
{"hour": 9, "minute": 31}
